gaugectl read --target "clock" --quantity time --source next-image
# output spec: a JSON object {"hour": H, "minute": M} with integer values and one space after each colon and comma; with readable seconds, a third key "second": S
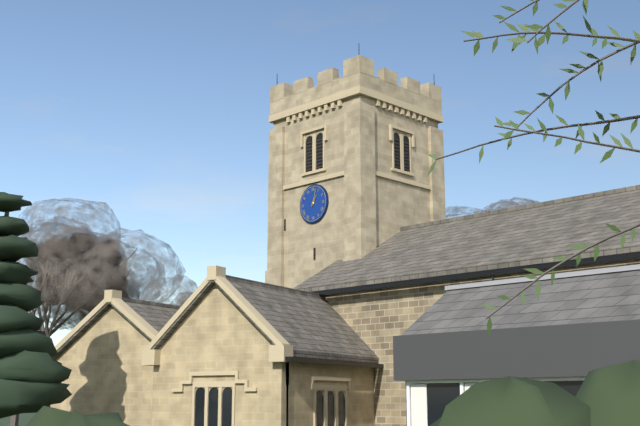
{"hour": 1, "minute": 3}
